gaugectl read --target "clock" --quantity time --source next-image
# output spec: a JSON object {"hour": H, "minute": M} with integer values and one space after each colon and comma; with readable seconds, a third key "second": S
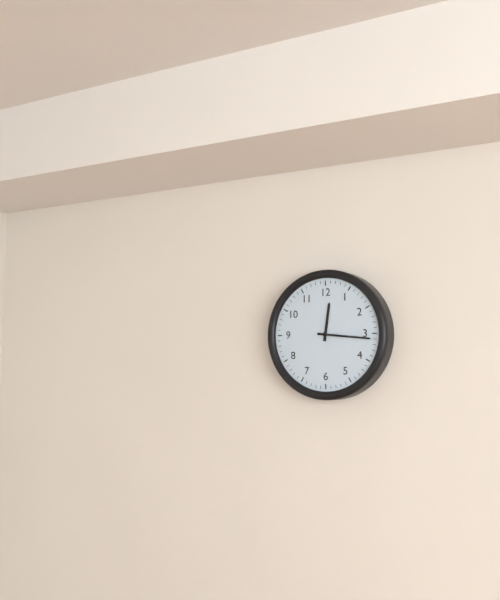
{"hour": 12, "minute": 16}
